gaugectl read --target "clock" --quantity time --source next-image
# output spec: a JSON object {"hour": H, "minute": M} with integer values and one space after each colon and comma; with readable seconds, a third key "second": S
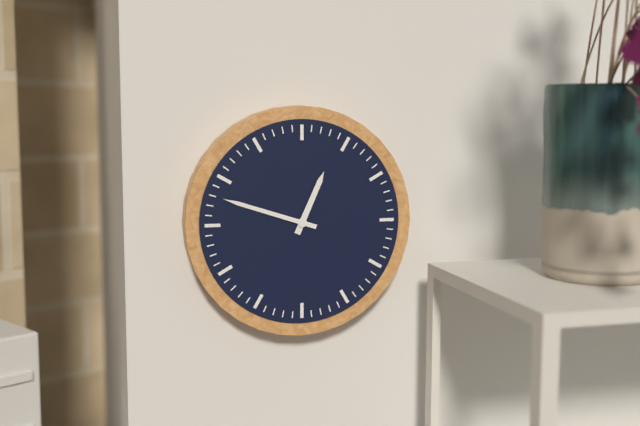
{"hour": 12, "minute": 48}
